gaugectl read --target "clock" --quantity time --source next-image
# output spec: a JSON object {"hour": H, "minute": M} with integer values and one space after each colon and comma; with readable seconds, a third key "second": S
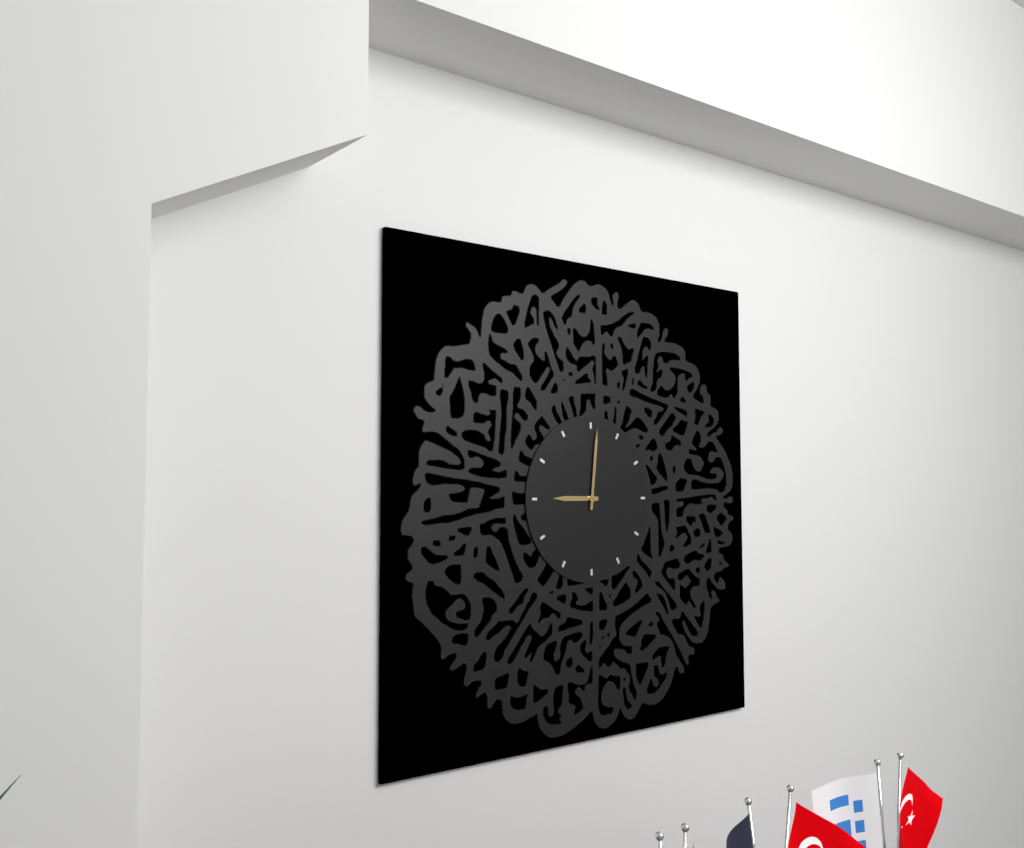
{"hour": 9, "minute": 1}
